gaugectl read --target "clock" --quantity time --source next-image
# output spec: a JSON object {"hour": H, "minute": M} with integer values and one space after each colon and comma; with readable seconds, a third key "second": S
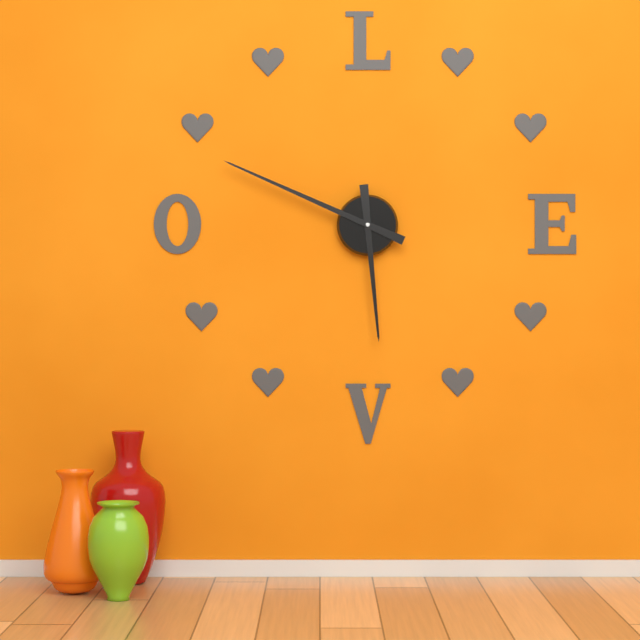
{"hour": 5, "minute": 49}
